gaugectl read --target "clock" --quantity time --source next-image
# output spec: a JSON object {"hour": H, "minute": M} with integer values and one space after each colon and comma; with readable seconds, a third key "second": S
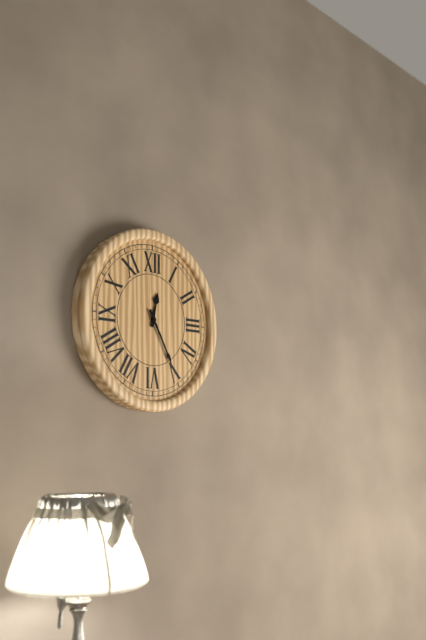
{"hour": 12, "minute": 25}
